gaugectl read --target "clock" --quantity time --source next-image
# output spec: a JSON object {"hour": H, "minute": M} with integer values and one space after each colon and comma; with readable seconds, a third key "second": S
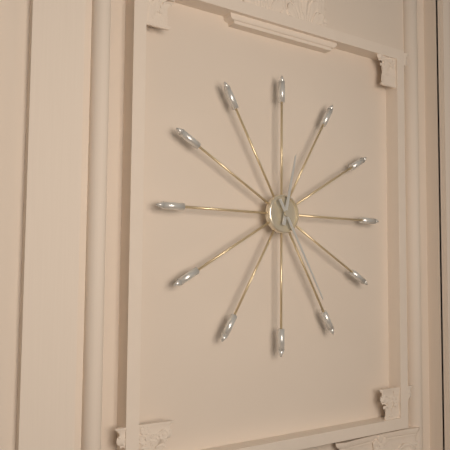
{"hour": 12, "minute": 25}
